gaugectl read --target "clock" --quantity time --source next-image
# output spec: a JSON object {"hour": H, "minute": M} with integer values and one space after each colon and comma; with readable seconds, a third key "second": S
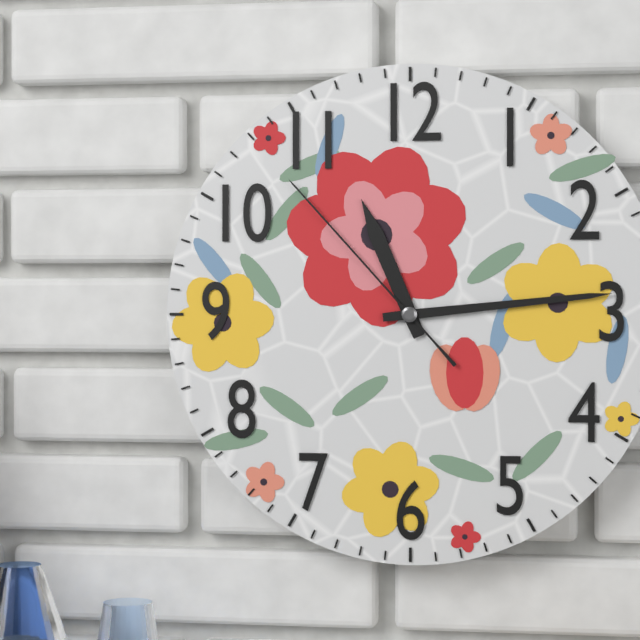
{"hour": 11, "minute": 14, "second": 53}
